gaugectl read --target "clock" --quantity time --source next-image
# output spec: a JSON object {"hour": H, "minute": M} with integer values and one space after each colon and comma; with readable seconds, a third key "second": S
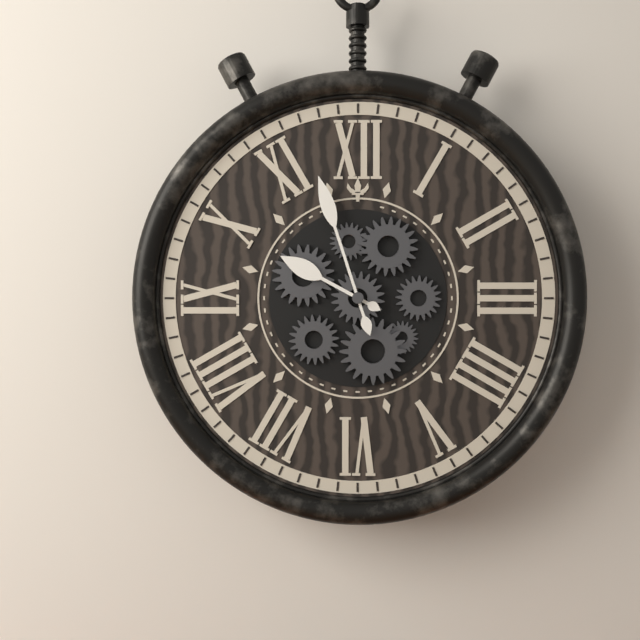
{"hour": 9, "minute": 57}
